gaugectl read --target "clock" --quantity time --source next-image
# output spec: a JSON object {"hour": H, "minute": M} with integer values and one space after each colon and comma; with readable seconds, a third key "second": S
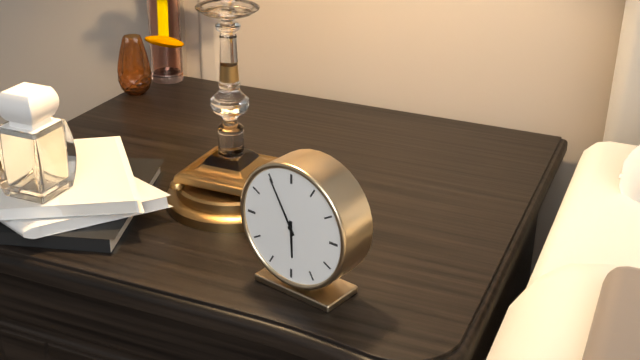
{"hour": 5, "minute": 55}
